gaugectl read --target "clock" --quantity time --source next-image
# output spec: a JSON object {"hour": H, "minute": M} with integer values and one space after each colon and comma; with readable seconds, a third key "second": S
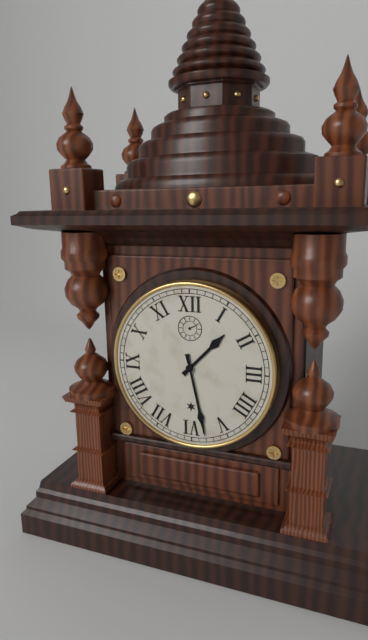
{"hour": 1, "minute": 28}
